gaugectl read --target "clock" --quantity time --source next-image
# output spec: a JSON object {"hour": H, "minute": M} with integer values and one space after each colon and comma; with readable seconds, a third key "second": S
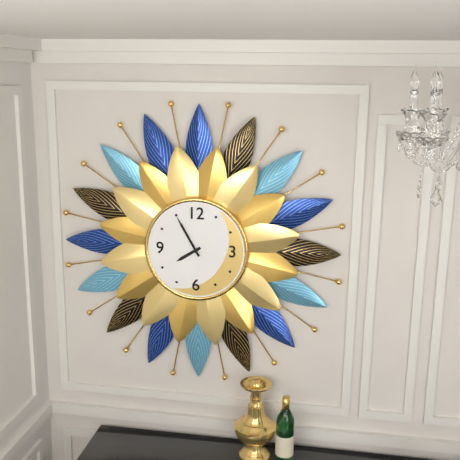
{"hour": 7, "minute": 55}
